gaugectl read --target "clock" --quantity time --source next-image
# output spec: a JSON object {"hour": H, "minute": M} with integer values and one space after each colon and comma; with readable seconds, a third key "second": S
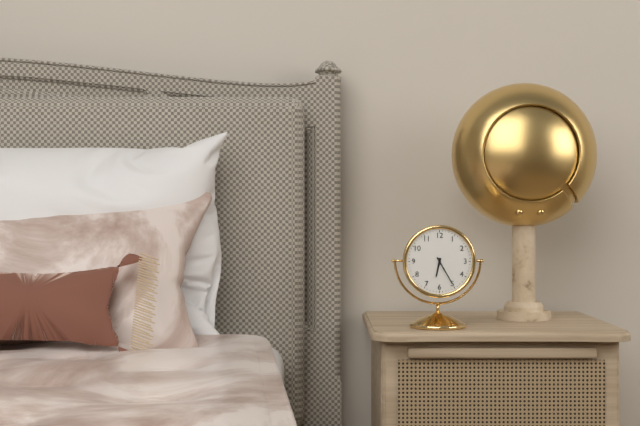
{"hour": 6, "minute": 25}
